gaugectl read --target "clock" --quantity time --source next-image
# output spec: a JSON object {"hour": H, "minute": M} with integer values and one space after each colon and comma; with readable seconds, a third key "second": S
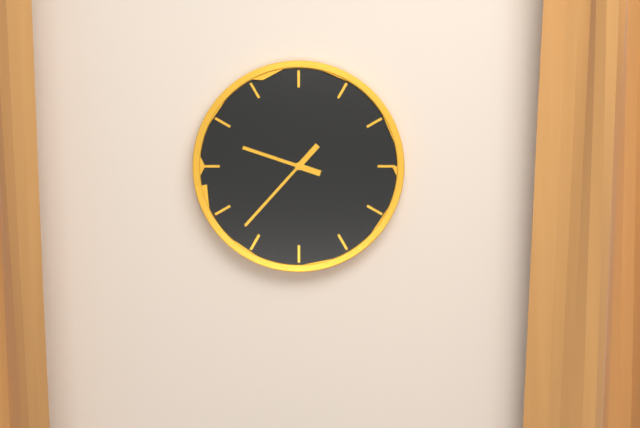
{"hour": 9, "minute": 37}
